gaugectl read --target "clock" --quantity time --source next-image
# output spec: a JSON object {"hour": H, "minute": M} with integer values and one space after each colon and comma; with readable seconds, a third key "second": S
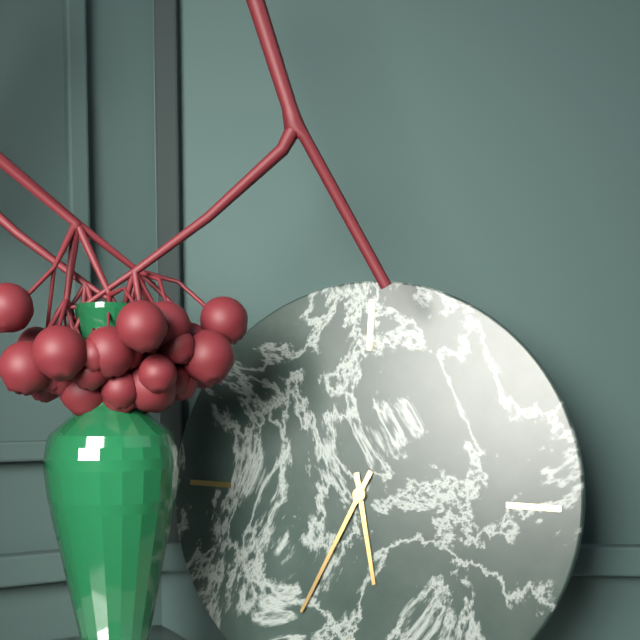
{"hour": 5, "minute": 34}
